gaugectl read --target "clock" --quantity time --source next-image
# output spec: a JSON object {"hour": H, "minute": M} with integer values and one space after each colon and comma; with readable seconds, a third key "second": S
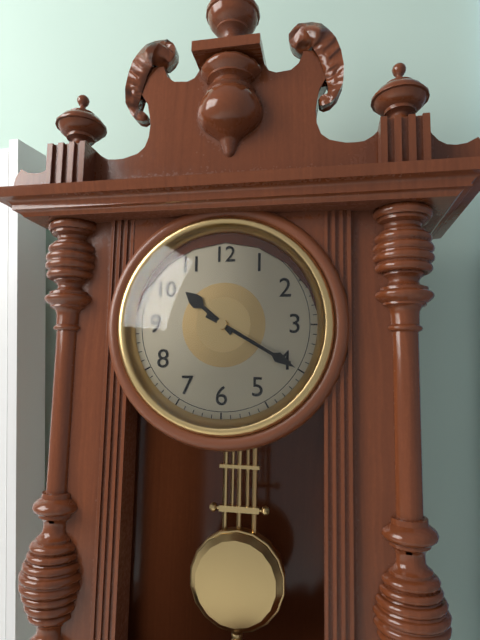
{"hour": 10, "minute": 20}
